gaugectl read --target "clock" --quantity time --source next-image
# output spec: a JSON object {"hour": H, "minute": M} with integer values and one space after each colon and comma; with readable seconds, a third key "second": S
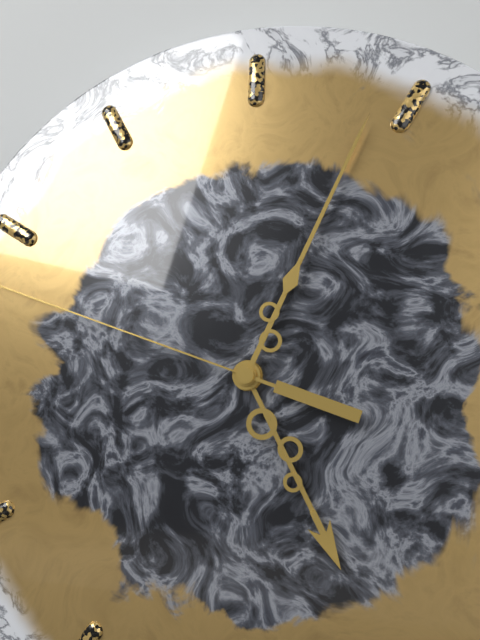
{"hour": 5, "minute": 4}
